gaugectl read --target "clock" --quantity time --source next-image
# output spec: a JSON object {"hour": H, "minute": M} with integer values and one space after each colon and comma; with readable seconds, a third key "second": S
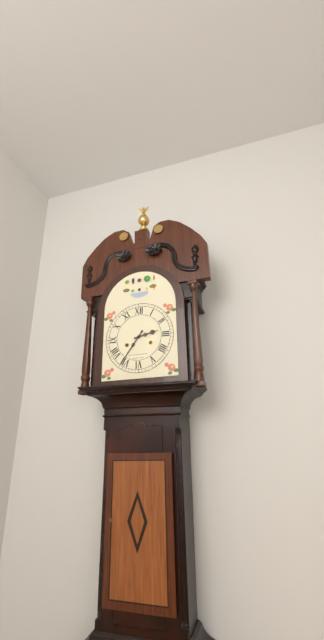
{"hour": 2, "minute": 36}
